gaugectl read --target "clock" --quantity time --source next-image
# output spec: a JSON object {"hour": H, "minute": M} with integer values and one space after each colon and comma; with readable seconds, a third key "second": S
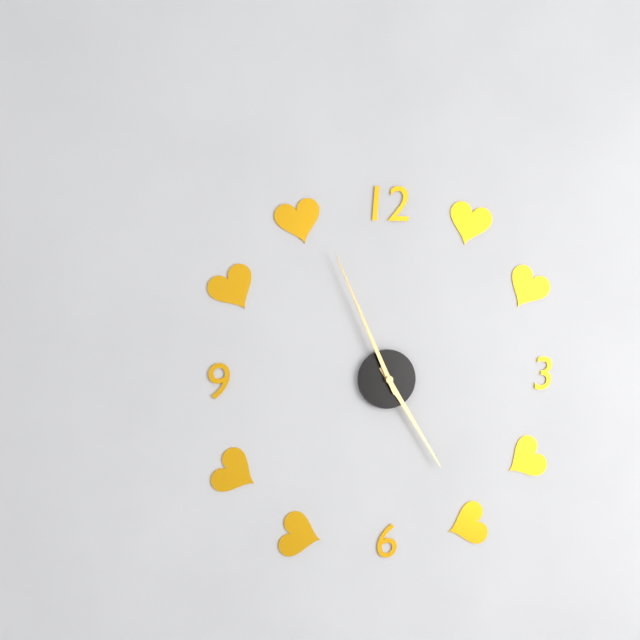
{"hour": 4, "minute": 56}
